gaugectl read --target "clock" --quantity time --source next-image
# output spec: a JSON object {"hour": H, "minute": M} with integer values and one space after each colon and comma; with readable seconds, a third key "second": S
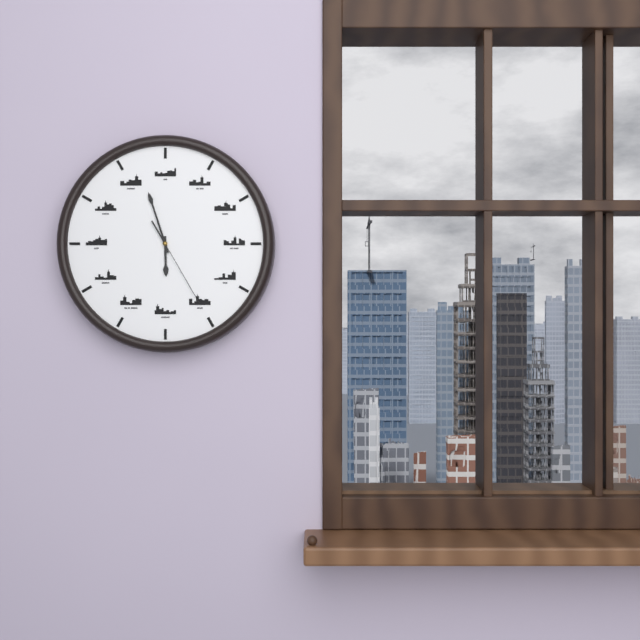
{"hour": 5, "minute": 57, "second": 25}
